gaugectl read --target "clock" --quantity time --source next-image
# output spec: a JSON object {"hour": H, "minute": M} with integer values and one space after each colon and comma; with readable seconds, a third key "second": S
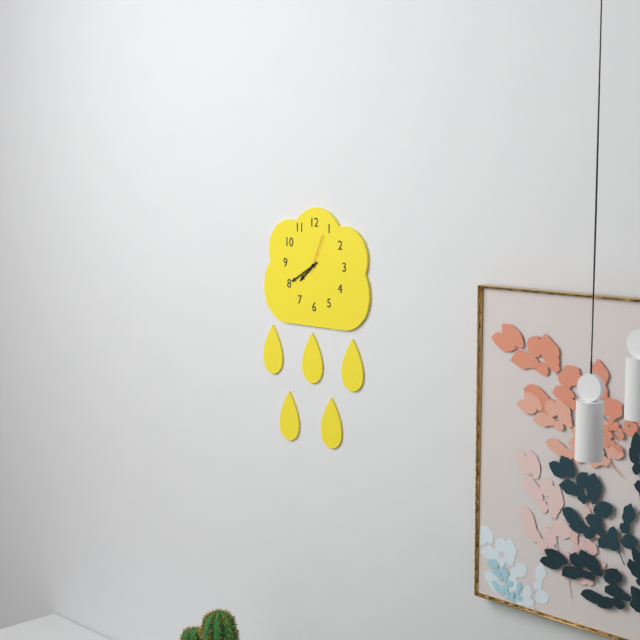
{"hour": 7, "minute": 40}
